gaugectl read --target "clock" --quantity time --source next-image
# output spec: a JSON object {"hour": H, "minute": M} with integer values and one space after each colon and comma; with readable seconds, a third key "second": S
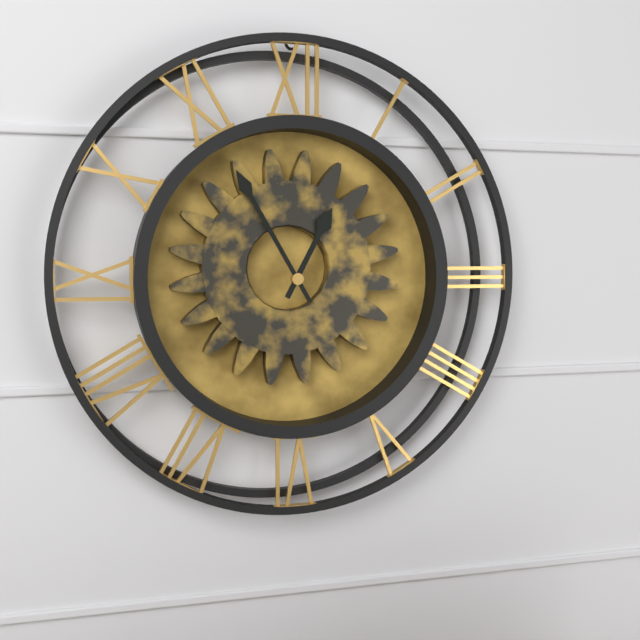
{"hour": 12, "minute": 55}
